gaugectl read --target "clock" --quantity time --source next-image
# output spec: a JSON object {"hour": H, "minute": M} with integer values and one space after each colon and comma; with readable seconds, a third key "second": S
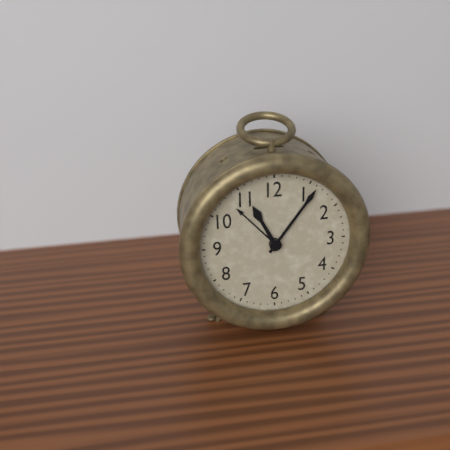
{"hour": 11, "minute": 6}
